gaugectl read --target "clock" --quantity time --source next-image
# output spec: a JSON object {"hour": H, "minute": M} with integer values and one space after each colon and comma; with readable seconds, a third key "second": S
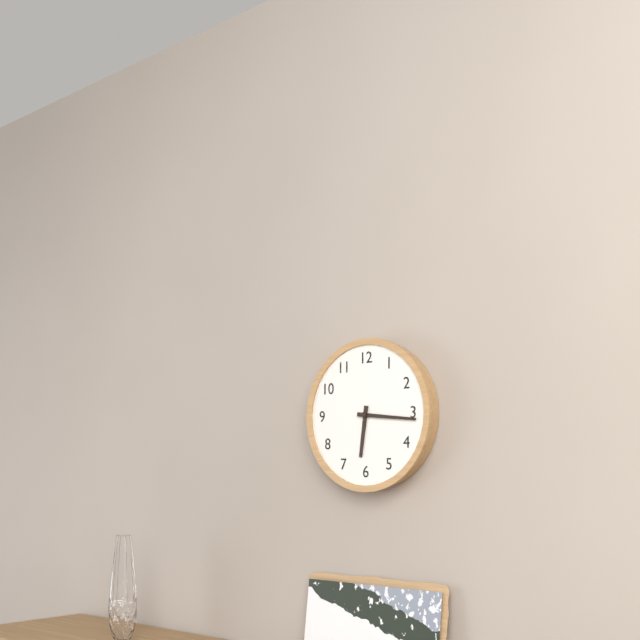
{"hour": 6, "minute": 16}
